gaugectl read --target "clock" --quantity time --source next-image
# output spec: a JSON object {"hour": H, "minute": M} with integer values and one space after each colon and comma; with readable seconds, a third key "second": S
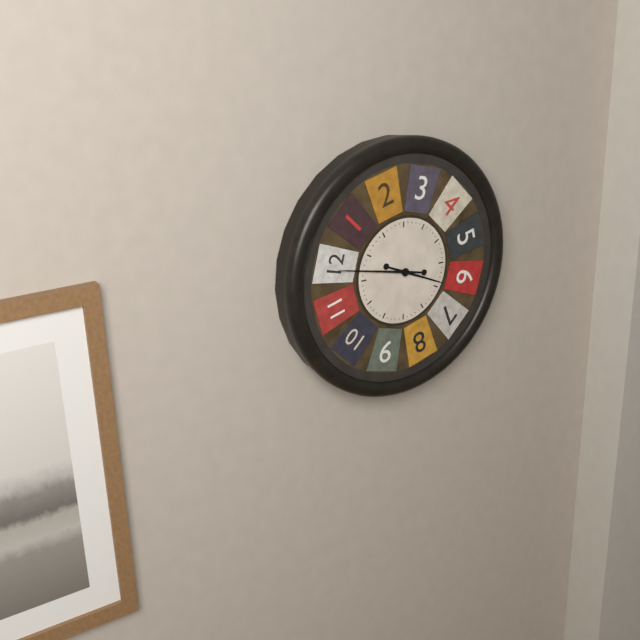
{"hour": 3, "minute": 47}
